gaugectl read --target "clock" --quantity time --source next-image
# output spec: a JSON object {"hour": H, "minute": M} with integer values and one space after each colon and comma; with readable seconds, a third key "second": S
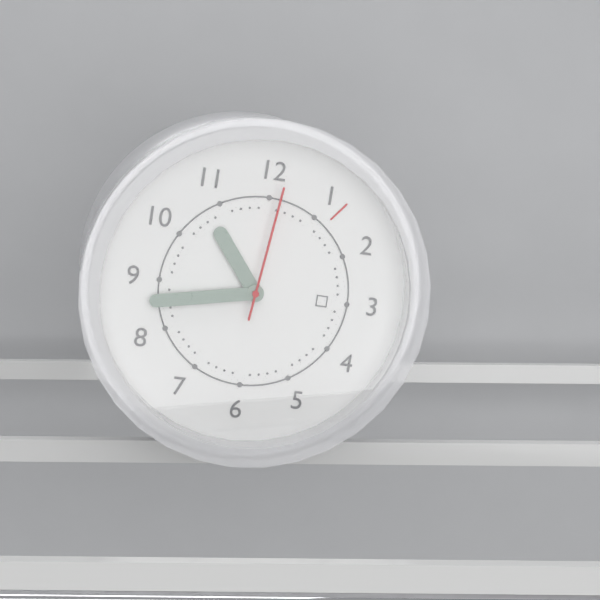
{"hour": 10, "minute": 43, "second": 1}
